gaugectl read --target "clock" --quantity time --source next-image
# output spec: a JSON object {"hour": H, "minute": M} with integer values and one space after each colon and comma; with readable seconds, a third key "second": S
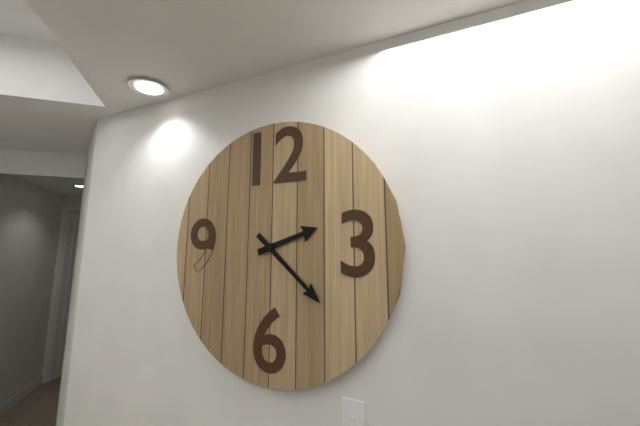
{"hour": 2, "minute": 22}
